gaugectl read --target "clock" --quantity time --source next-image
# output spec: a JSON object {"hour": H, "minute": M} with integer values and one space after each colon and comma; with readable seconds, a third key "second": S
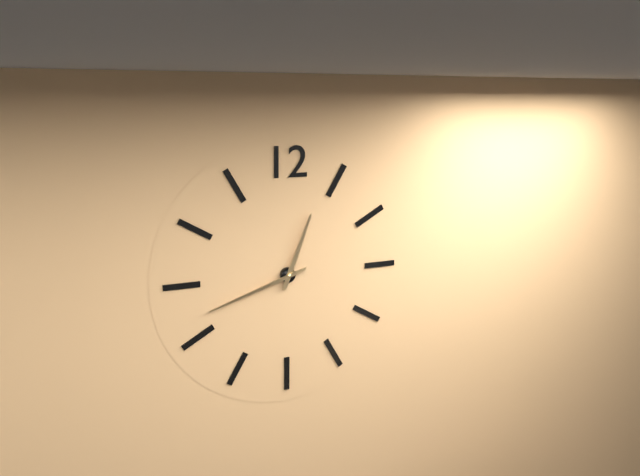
{"hour": 12, "minute": 42}
